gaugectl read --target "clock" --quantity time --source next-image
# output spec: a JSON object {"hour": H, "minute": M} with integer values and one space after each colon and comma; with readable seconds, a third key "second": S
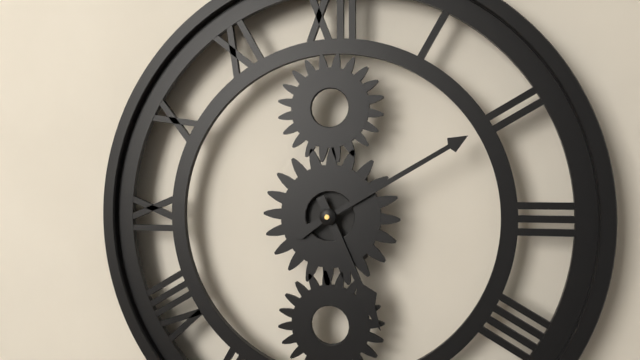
{"hour": 5, "minute": 10}
